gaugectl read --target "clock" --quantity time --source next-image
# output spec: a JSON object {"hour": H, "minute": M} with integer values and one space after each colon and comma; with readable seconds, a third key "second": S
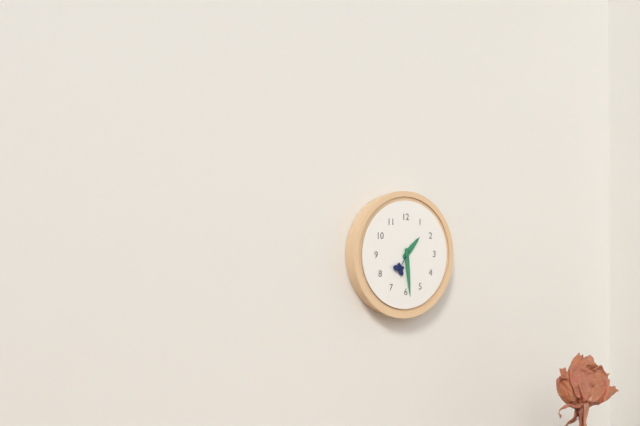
{"hour": 1, "minute": 29}
